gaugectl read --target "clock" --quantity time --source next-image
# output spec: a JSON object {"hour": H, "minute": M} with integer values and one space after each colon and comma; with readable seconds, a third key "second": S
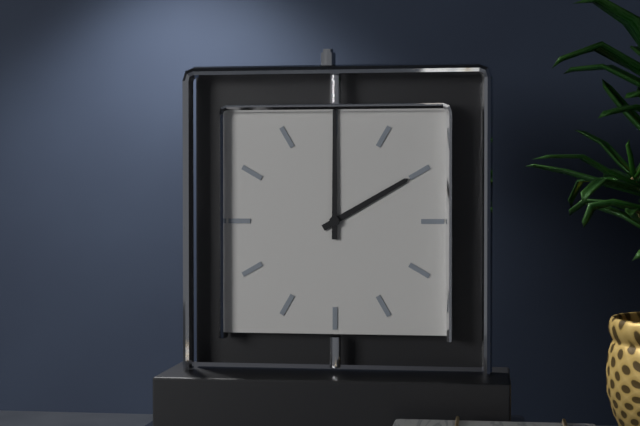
{"hour": 2, "minute": 0}
